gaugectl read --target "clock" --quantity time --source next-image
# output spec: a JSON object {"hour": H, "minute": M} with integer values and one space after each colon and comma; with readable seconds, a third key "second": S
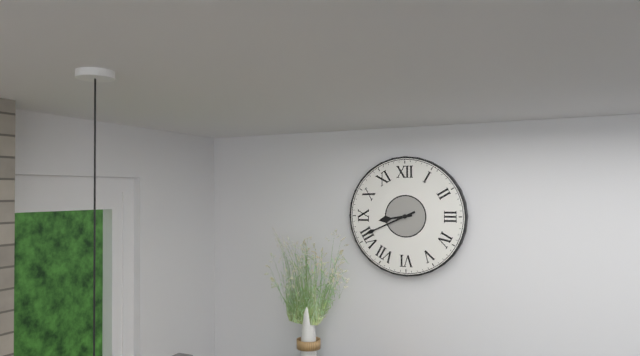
{"hour": 8, "minute": 41}
